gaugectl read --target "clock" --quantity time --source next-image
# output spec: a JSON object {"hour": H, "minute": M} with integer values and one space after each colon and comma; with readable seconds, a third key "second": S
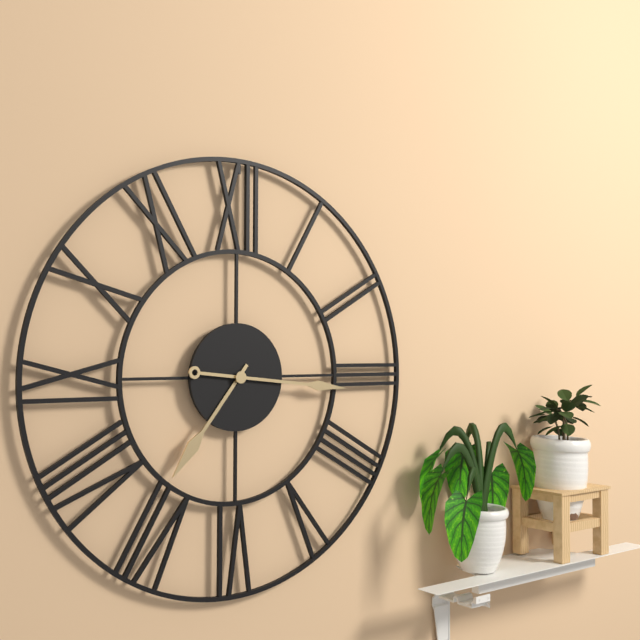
{"hour": 7, "minute": 16}
